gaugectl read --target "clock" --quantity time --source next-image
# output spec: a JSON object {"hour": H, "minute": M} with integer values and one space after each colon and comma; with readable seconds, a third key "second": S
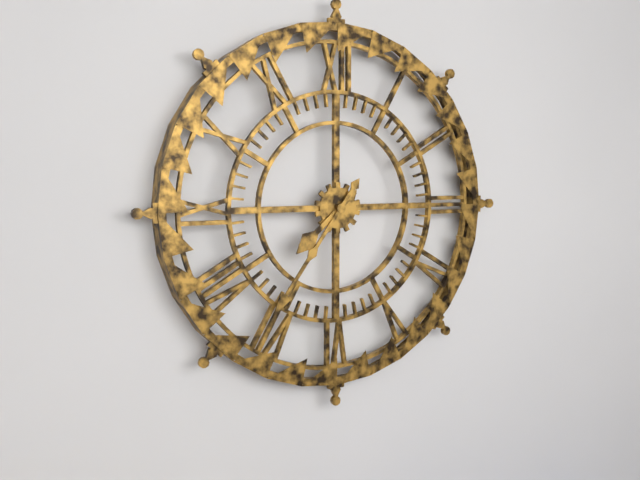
{"hour": 7, "minute": 36}
